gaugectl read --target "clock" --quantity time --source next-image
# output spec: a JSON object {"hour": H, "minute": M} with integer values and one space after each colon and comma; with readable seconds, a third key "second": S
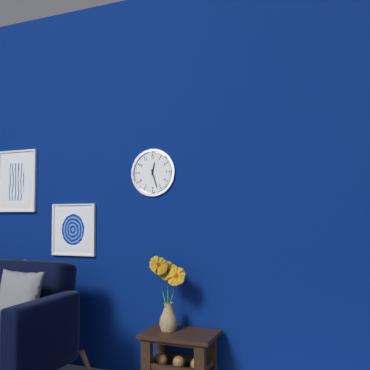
{"hour": 12, "minute": 27}
